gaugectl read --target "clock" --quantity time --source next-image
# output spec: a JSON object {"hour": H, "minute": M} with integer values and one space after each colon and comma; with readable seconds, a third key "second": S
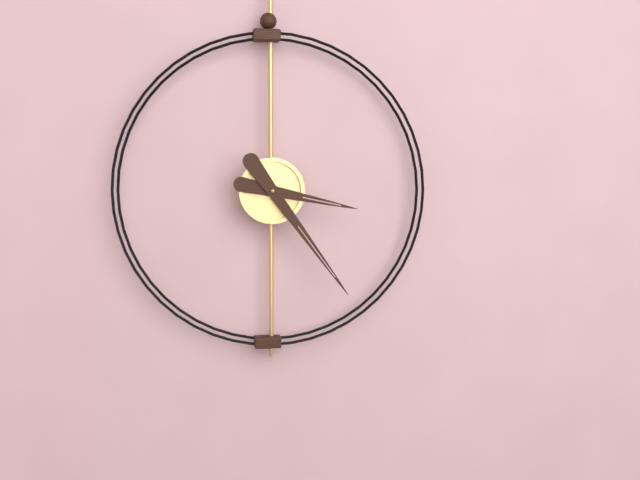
{"hour": 3, "minute": 24}
